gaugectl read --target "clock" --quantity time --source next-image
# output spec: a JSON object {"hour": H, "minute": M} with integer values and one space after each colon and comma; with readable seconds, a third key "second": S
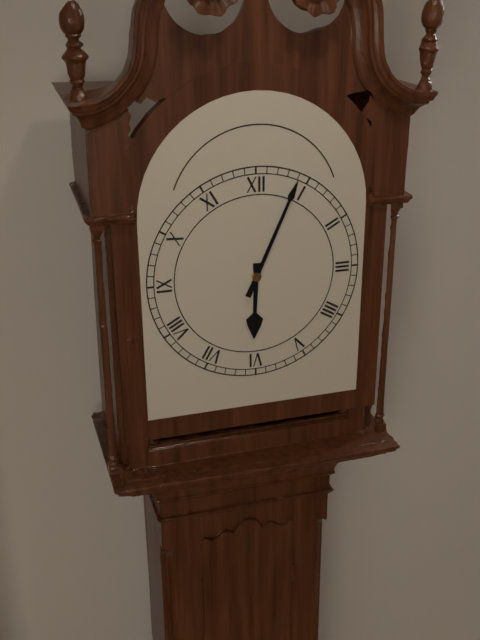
{"hour": 6, "minute": 4}
